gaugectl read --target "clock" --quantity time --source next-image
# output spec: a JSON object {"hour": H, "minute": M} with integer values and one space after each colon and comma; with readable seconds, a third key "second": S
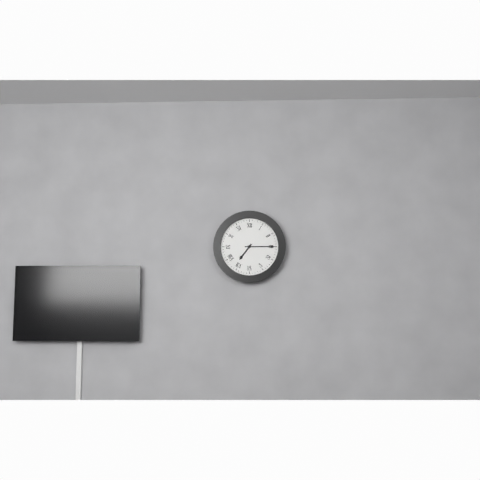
{"hour": 7, "minute": 15}
